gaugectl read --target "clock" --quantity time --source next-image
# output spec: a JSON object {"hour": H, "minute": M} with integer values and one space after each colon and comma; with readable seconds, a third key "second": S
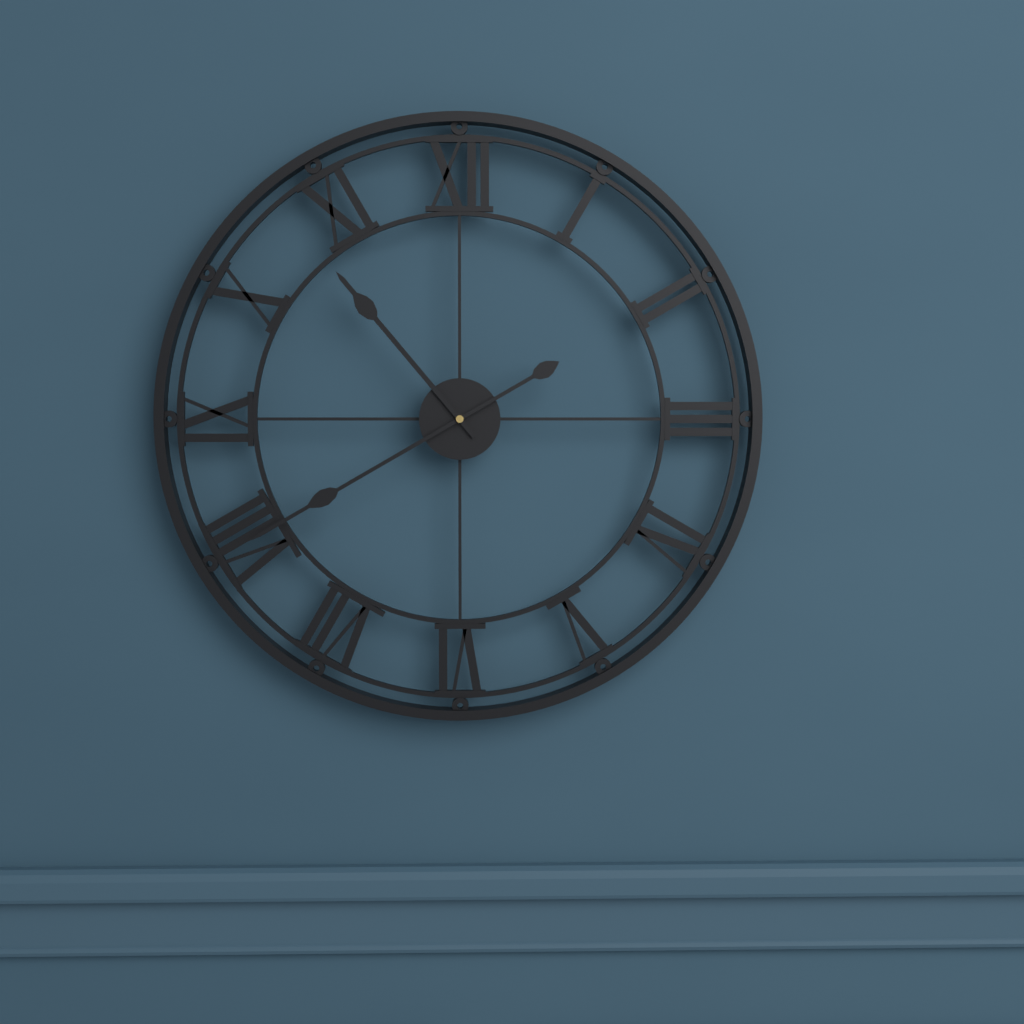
{"hour": 10, "minute": 40}
